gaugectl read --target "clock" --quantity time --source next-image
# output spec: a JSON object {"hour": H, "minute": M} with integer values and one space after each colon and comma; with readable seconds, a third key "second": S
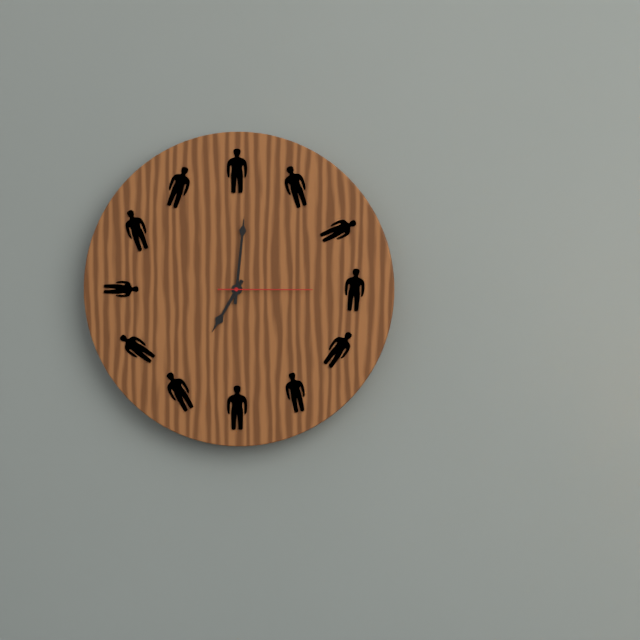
{"hour": 7, "minute": 1, "second": 15}
